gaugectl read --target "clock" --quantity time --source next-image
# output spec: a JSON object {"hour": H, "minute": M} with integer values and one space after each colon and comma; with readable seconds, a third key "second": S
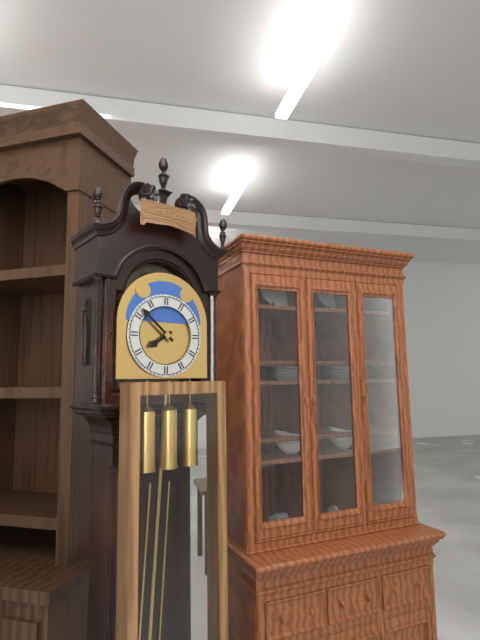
{"hour": 7, "minute": 52}
